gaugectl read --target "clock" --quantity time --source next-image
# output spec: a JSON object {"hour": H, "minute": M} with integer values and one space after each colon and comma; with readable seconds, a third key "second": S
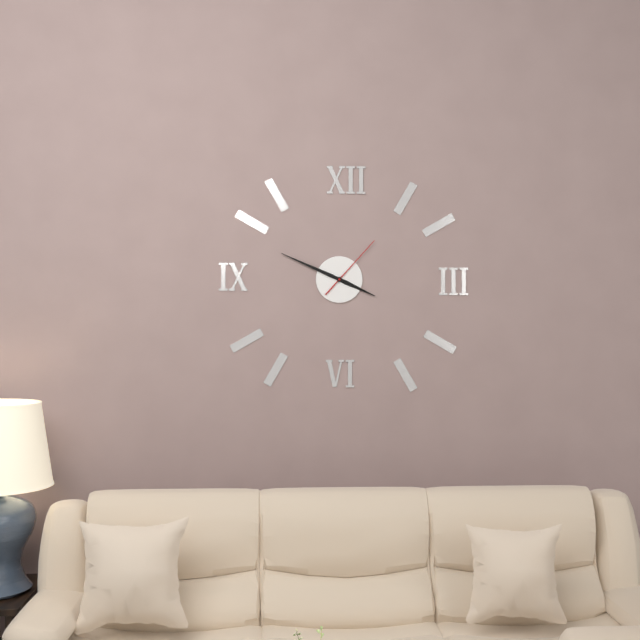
{"hour": 3, "minute": 49, "second": 7}
